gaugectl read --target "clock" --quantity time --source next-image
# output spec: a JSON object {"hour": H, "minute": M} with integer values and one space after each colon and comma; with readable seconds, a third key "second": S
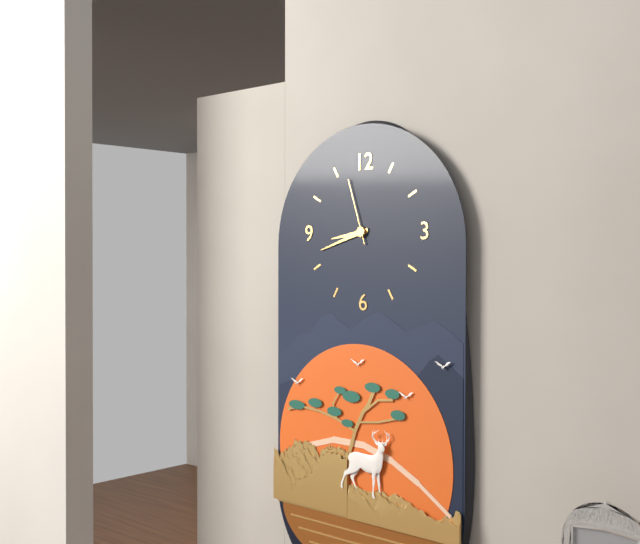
{"hour": 8, "minute": 42, "second": 57}
